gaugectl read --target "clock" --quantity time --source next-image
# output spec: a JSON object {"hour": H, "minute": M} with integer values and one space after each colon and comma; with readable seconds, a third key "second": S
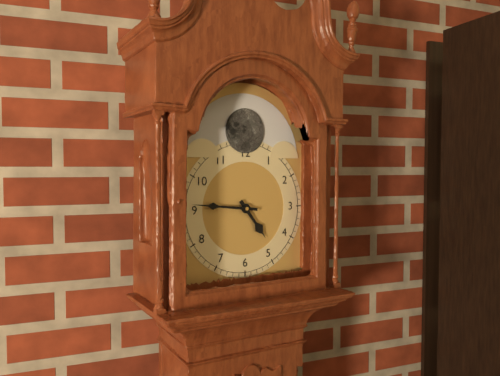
{"hour": 4, "minute": 46}
